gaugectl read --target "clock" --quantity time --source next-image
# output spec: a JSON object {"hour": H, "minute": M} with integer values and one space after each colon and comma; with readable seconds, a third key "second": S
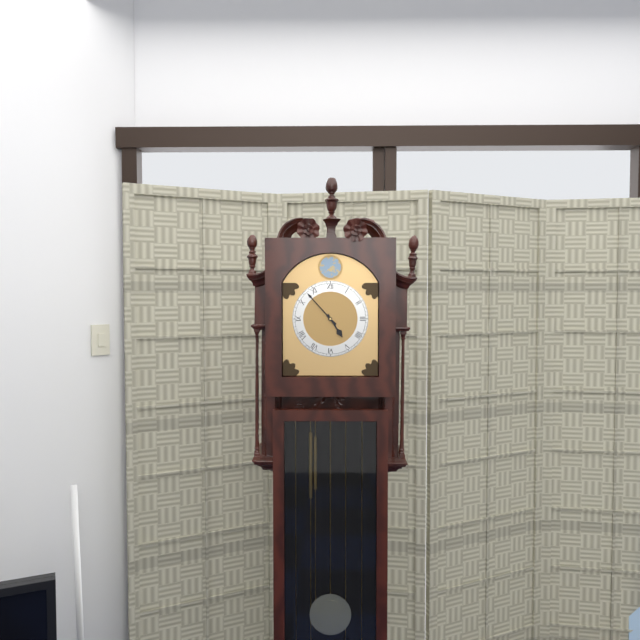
{"hour": 4, "minute": 53}
